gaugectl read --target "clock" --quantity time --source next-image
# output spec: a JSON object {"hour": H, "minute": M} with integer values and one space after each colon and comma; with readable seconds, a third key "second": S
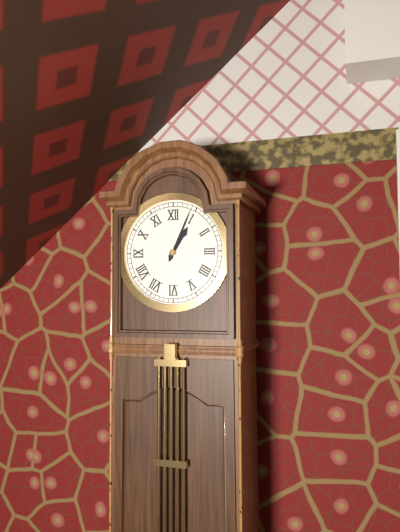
{"hour": 1, "minute": 4}
